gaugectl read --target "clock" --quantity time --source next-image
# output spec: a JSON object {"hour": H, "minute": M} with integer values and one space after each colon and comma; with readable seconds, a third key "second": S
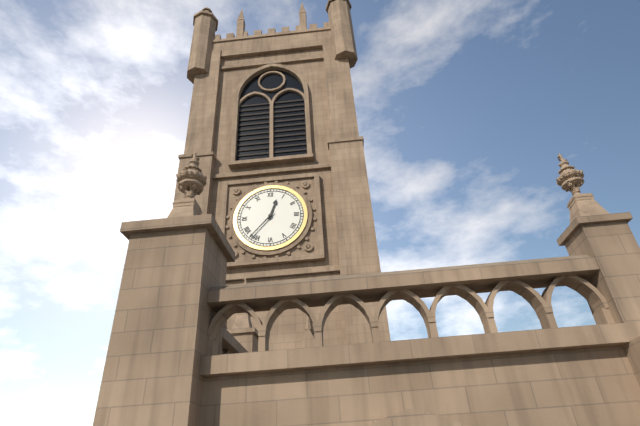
{"hour": 12, "minute": 37}
